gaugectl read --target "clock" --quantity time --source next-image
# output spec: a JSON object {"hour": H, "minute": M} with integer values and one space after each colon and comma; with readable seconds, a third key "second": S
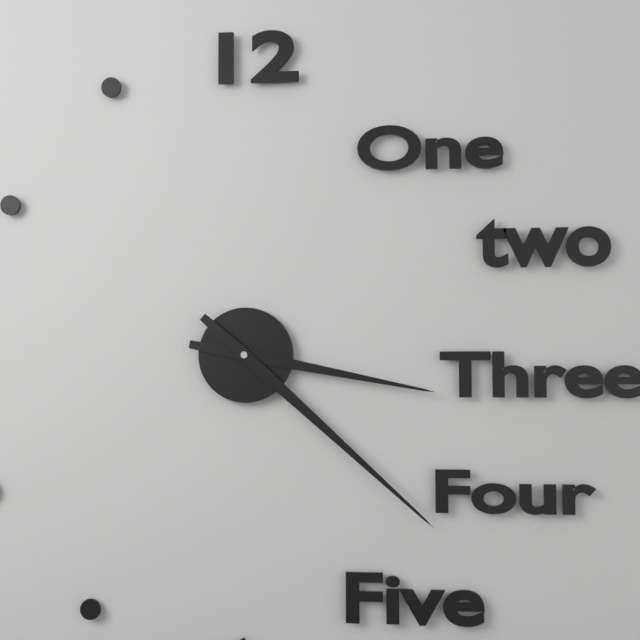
{"hour": 3, "minute": 22}
